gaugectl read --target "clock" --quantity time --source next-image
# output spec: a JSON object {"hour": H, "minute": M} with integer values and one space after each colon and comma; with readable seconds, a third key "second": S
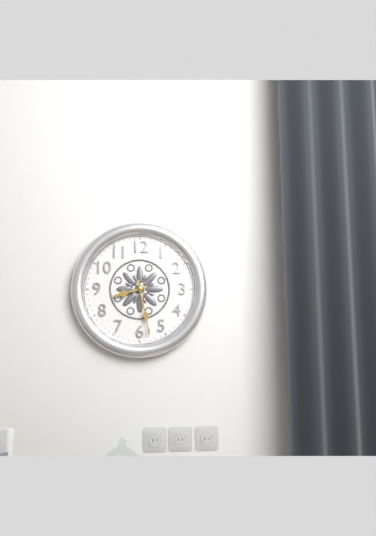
{"hour": 8, "minute": 28}
